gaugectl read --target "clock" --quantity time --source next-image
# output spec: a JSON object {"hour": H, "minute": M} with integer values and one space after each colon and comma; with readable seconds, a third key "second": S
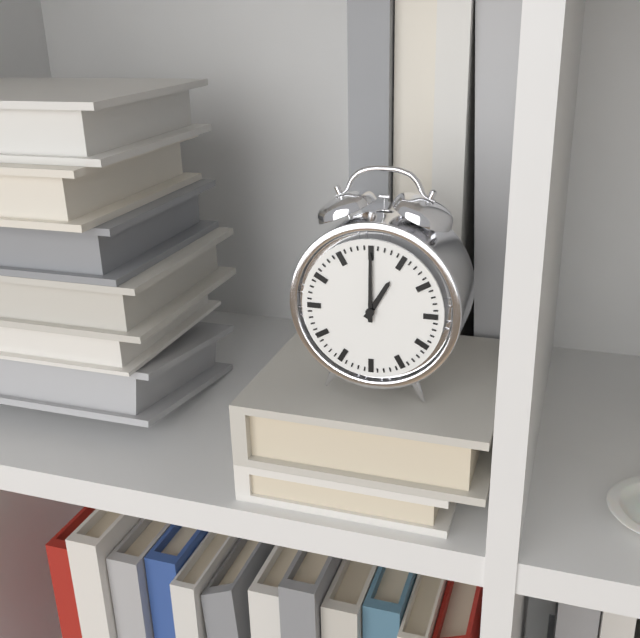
{"hour": 1, "minute": 0}
